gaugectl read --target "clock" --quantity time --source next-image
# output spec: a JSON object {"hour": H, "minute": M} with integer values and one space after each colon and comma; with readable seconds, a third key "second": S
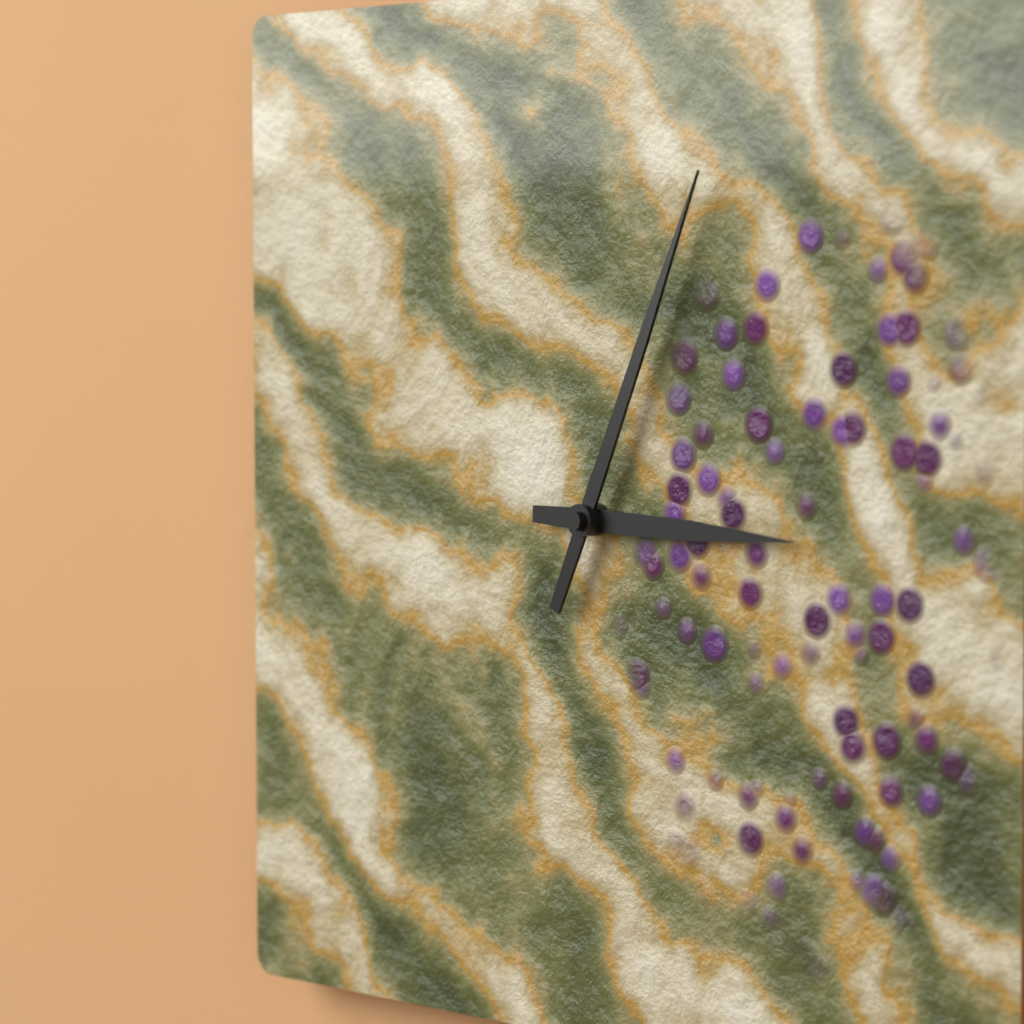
{"hour": 3, "minute": 4}
